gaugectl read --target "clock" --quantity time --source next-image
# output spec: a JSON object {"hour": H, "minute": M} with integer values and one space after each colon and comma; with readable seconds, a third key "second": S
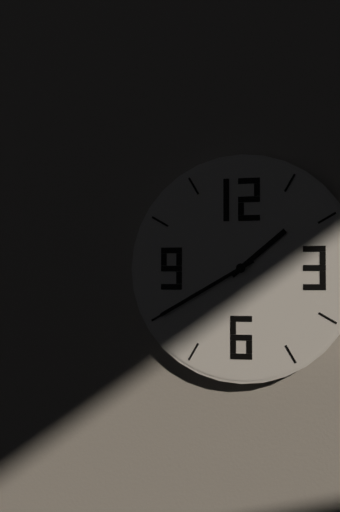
{"hour": 1, "minute": 40}
